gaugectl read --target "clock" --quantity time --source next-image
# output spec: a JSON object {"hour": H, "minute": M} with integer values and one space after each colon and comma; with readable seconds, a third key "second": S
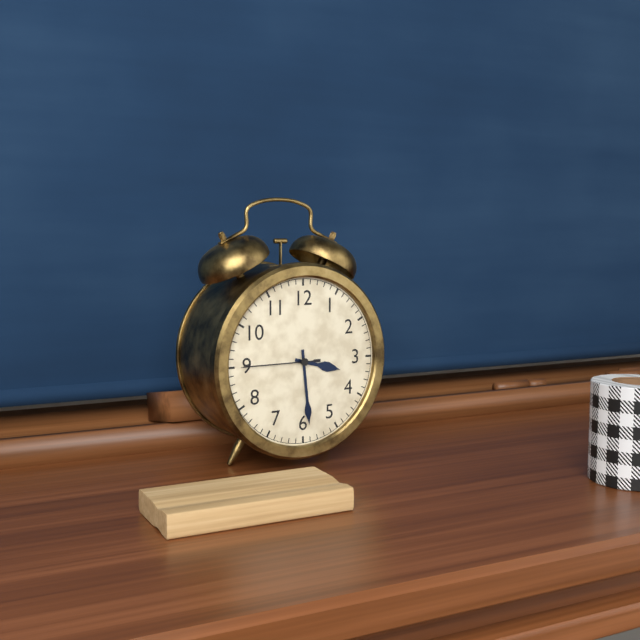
{"hour": 3, "minute": 29, "second": 45}
